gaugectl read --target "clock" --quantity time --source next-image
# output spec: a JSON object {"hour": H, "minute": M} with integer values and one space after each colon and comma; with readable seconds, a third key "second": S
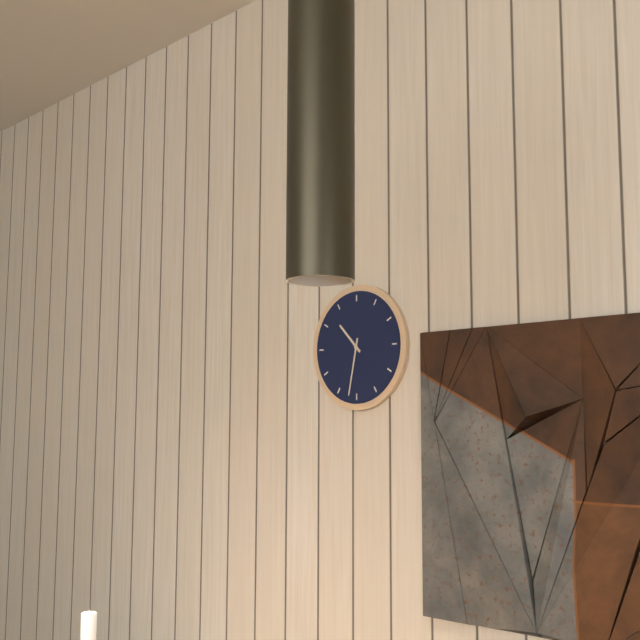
{"hour": 10, "minute": 32}
